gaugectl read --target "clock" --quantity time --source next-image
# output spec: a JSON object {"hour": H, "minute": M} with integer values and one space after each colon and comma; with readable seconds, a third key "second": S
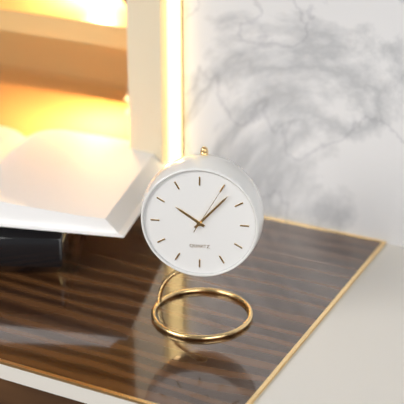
{"hour": 10, "minute": 7, "second": 5}
